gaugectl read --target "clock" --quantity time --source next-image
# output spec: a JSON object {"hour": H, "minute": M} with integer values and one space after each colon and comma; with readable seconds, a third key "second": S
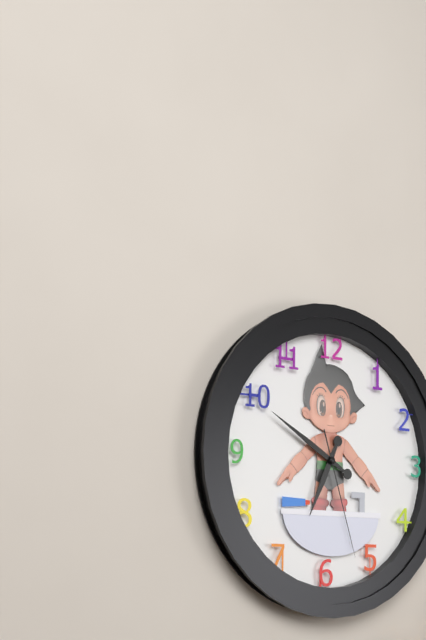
{"hour": 6, "minute": 50, "second": 27}
